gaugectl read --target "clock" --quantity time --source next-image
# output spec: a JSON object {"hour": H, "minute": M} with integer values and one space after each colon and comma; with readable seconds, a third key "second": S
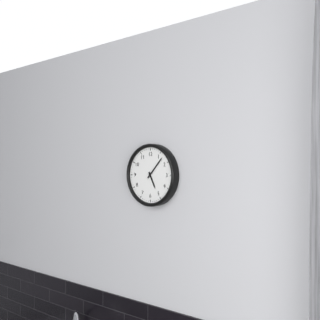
{"hour": 5, "minute": 7}
